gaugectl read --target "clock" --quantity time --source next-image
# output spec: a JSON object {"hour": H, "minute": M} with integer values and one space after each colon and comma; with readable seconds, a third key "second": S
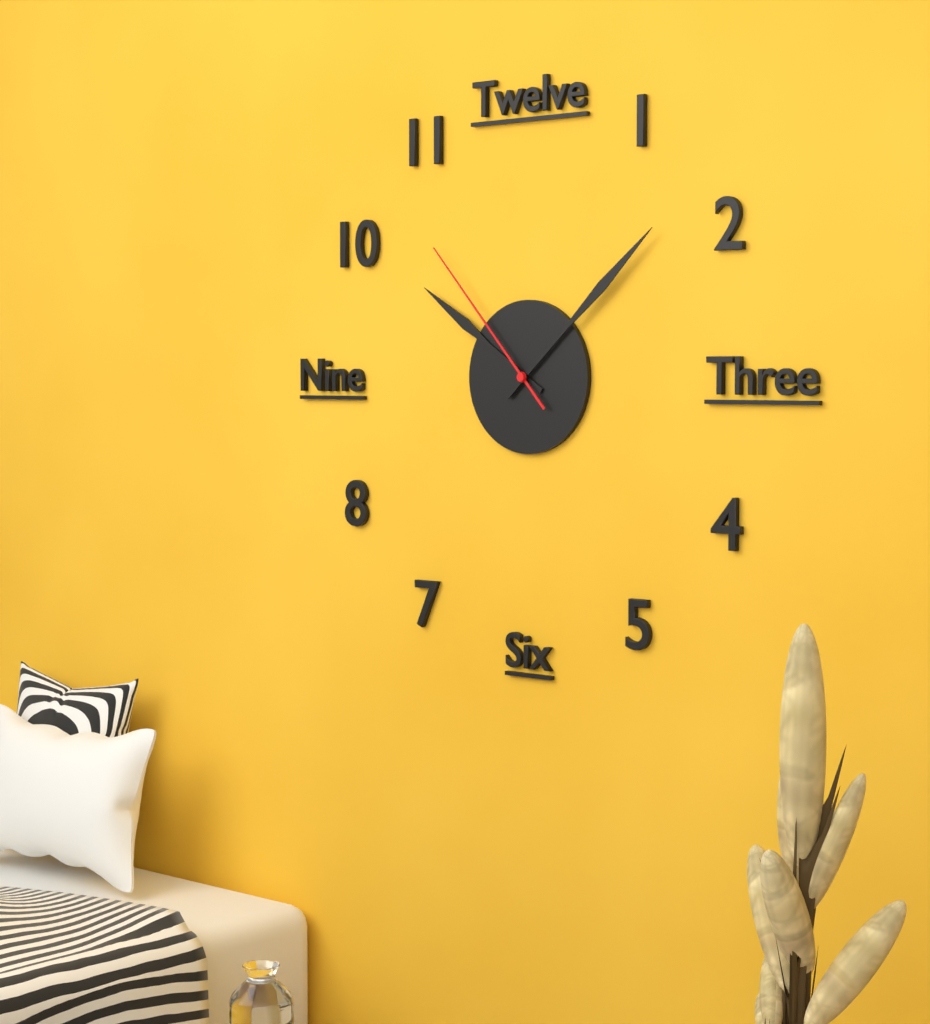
{"hour": 10, "minute": 8, "second": 53}
